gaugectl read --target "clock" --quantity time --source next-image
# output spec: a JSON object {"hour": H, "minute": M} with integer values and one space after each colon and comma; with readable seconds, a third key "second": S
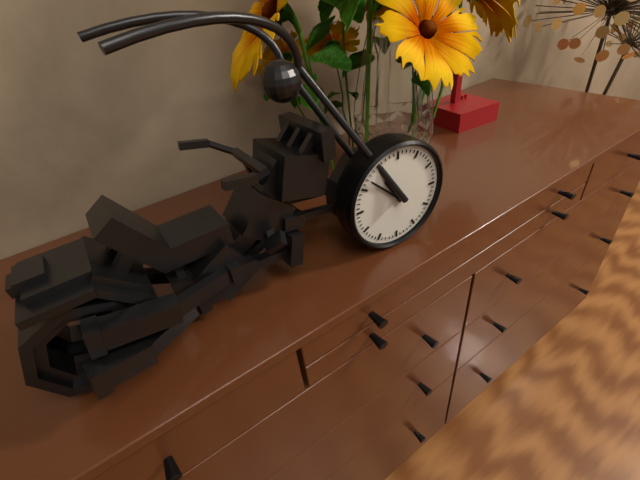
{"hour": 10, "minute": 52}
